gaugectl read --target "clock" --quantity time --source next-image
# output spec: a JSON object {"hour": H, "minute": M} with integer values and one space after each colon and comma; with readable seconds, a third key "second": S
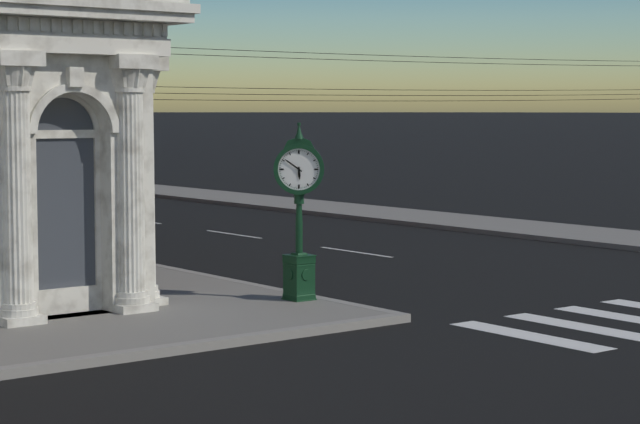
{"hour": 5, "minute": 51}
